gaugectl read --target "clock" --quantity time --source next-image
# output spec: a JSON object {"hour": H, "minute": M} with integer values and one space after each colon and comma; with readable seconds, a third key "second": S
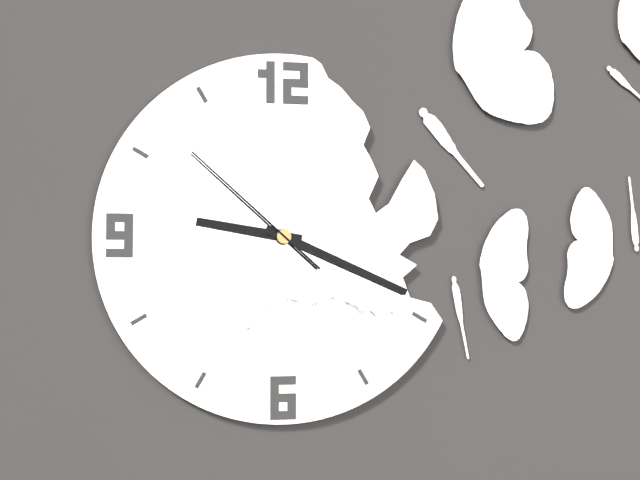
{"hour": 9, "minute": 19, "second": 52}
